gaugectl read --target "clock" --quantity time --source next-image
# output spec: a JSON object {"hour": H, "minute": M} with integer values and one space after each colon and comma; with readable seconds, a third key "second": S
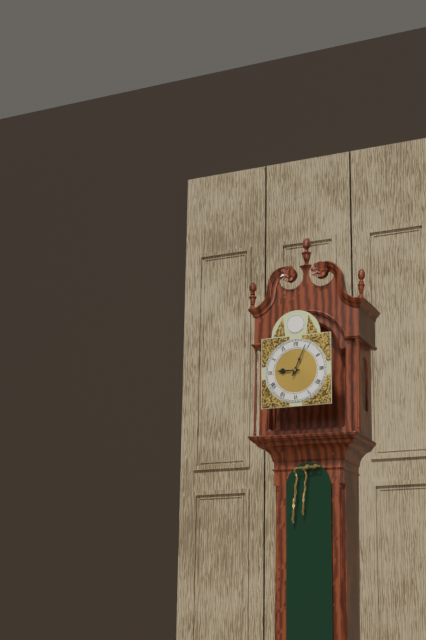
{"hour": 9, "minute": 4}
